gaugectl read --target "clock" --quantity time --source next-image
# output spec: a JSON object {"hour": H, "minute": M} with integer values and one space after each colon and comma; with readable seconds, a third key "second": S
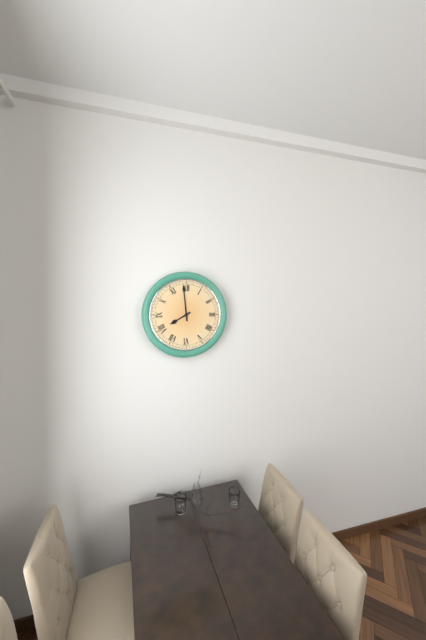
{"hour": 7, "minute": 59}
